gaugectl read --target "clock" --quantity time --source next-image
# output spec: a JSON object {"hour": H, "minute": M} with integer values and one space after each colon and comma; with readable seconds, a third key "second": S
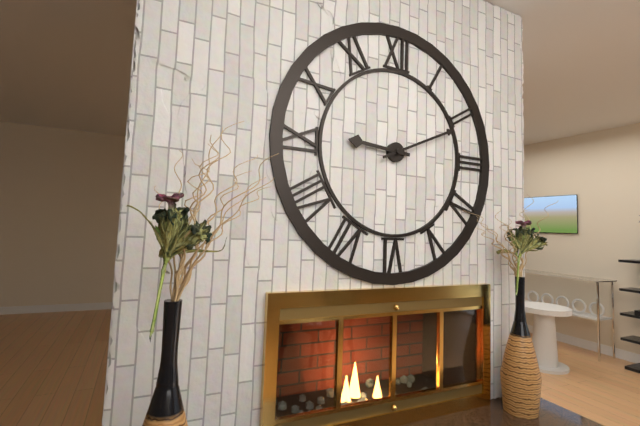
{"hour": 9, "minute": 11}
